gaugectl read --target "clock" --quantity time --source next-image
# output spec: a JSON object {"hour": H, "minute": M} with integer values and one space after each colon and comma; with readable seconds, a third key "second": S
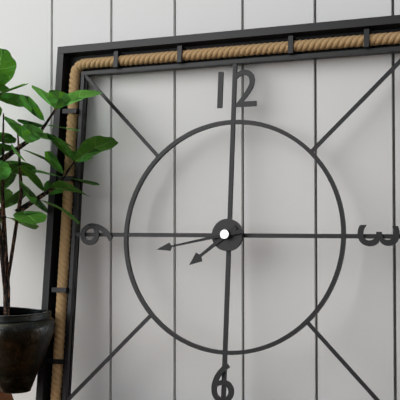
{"hour": 7, "minute": 43}
